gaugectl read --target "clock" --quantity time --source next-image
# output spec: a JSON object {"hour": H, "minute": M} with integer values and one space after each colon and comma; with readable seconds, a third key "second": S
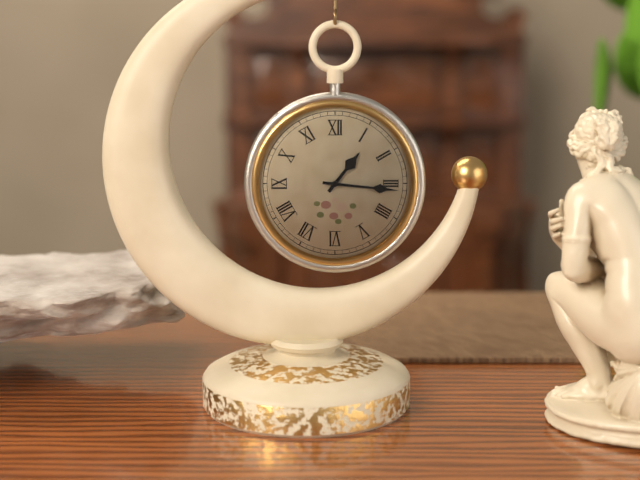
{"hour": 1, "minute": 16}
